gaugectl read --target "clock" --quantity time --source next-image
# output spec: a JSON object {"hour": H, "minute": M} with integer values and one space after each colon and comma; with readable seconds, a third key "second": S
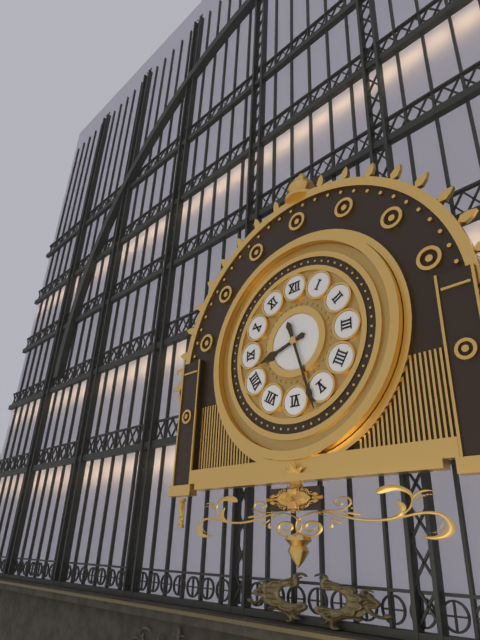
{"hour": 8, "minute": 27}
